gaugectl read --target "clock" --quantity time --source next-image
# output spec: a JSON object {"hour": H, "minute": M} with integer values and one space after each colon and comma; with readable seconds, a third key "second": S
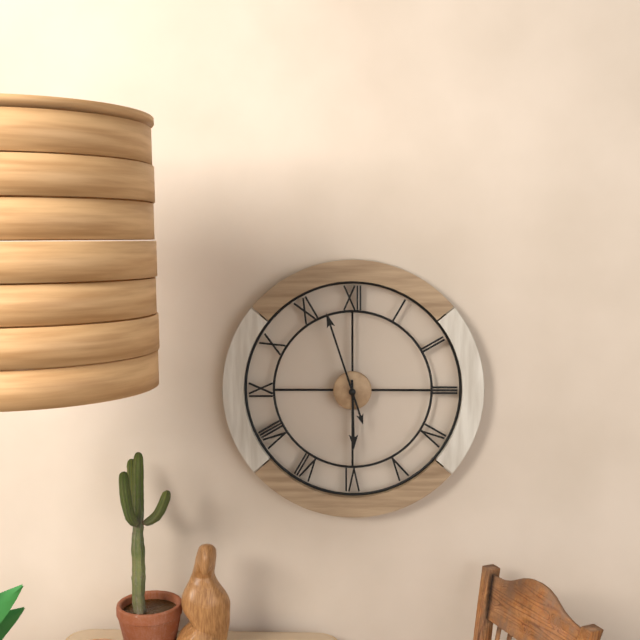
{"hour": 5, "minute": 57}
